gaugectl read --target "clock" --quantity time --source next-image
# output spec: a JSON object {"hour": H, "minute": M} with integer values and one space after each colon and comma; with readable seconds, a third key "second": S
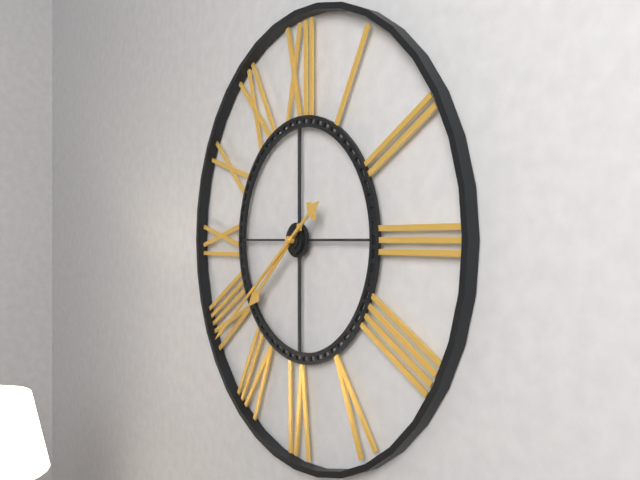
{"hour": 7, "minute": 39}
